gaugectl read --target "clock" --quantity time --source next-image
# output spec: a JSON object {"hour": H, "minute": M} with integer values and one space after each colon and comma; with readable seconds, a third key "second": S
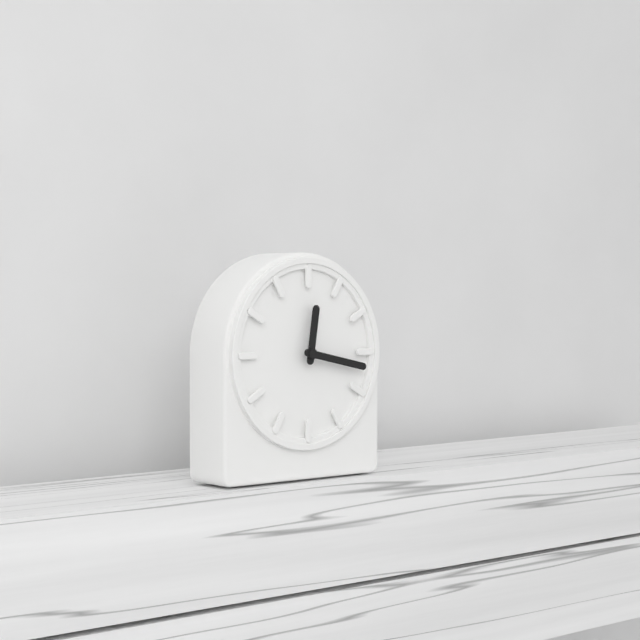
{"hour": 12, "minute": 17}
